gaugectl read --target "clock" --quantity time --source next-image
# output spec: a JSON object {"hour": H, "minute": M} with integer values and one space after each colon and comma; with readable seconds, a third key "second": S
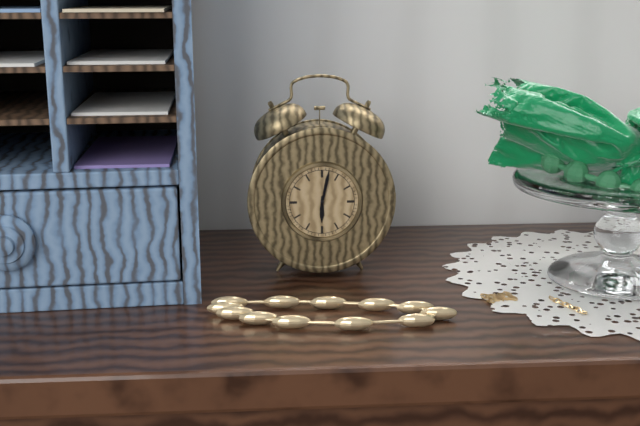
{"hour": 6, "minute": 2}
